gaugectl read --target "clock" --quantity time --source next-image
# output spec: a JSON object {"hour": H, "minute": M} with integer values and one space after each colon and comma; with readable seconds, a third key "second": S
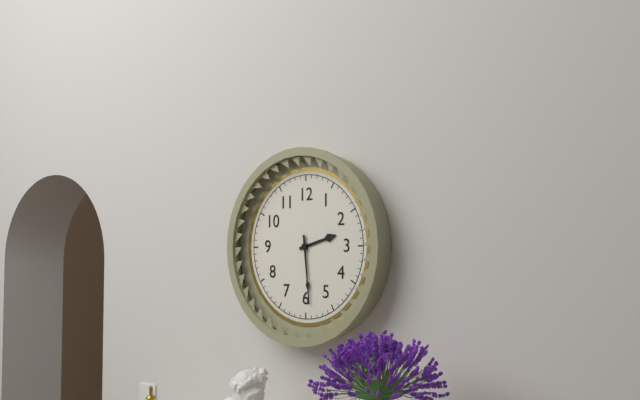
{"hour": 2, "minute": 29}
